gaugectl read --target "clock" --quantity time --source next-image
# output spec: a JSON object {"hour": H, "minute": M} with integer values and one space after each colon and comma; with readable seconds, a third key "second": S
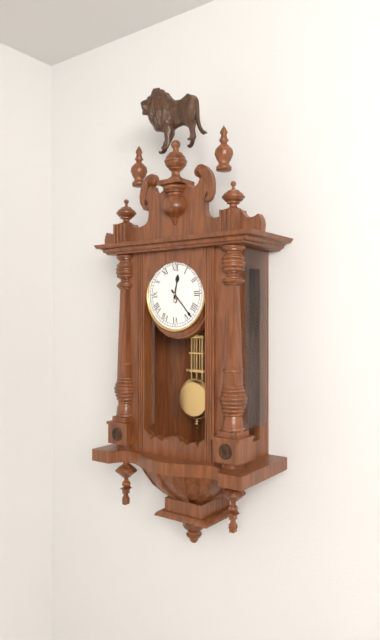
{"hour": 12, "minute": 23}
